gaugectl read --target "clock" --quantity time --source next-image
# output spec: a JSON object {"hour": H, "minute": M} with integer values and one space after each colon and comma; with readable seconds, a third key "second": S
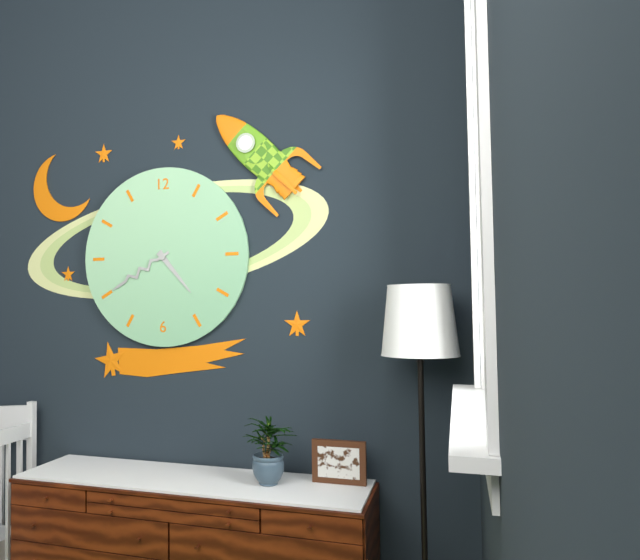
{"hour": 4, "minute": 40}
